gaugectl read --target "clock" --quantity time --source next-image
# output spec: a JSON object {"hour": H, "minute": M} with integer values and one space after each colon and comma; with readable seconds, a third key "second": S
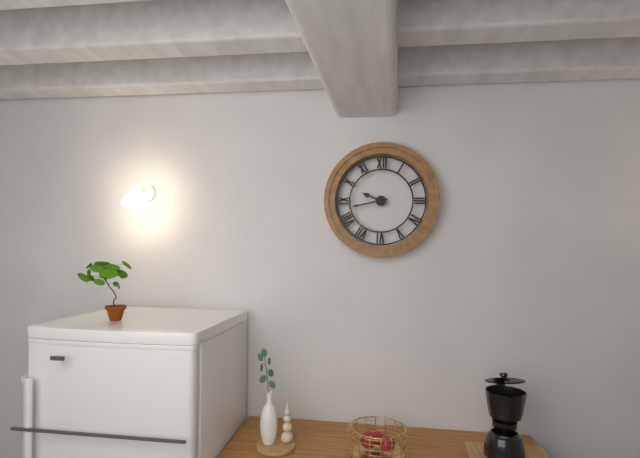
{"hour": 9, "minute": 43}
